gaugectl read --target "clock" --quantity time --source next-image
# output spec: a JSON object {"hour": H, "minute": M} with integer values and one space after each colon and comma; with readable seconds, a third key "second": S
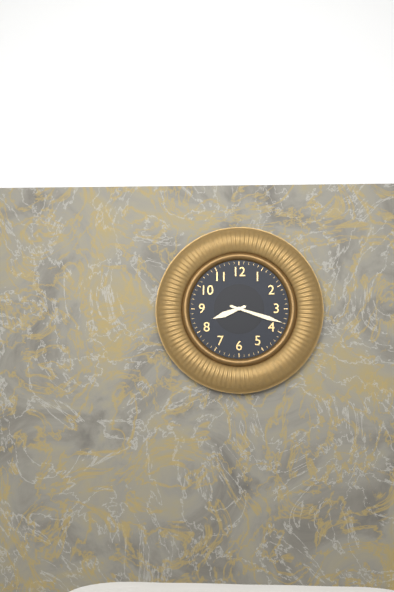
{"hour": 8, "minute": 18}
